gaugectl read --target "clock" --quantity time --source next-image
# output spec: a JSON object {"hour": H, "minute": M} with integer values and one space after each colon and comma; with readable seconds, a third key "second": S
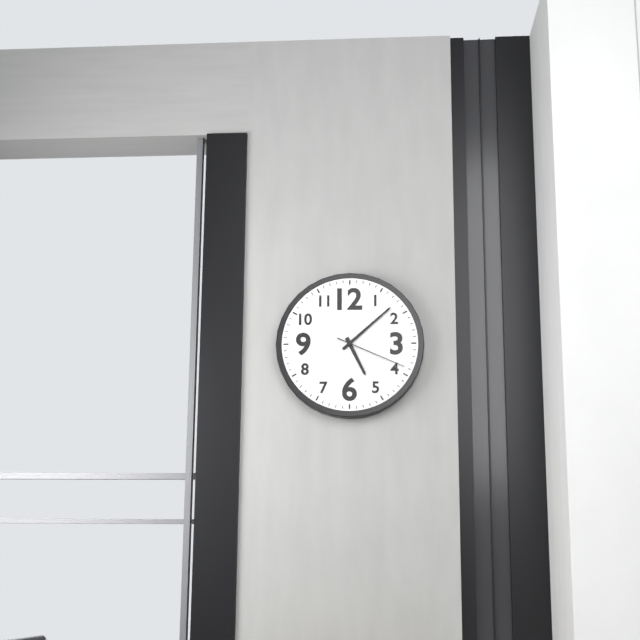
{"hour": 5, "minute": 8, "second": 19}
